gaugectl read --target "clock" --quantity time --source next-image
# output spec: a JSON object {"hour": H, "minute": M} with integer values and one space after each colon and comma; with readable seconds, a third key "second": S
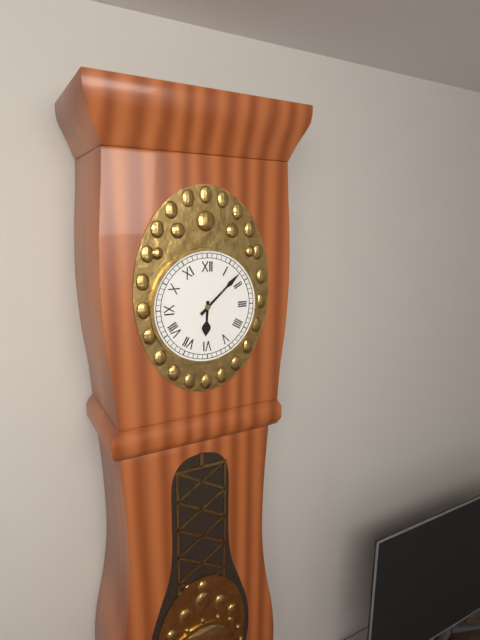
{"hour": 6, "minute": 8}
